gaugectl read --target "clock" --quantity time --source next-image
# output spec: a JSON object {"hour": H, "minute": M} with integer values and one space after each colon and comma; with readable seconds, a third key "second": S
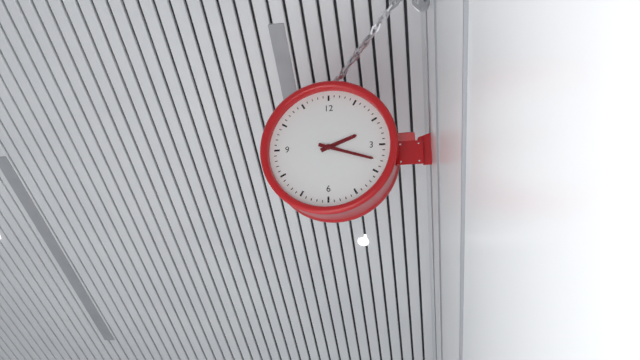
{"hour": 2, "minute": 18}
